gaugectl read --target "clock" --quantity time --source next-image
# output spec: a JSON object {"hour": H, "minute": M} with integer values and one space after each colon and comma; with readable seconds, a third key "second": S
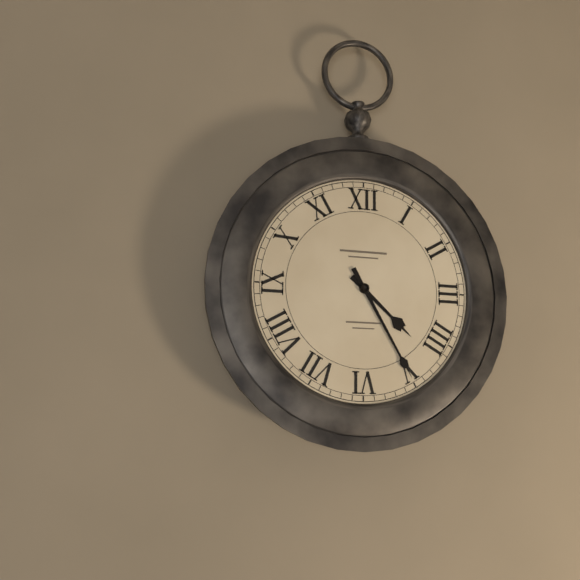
{"hour": 4, "minute": 25}
